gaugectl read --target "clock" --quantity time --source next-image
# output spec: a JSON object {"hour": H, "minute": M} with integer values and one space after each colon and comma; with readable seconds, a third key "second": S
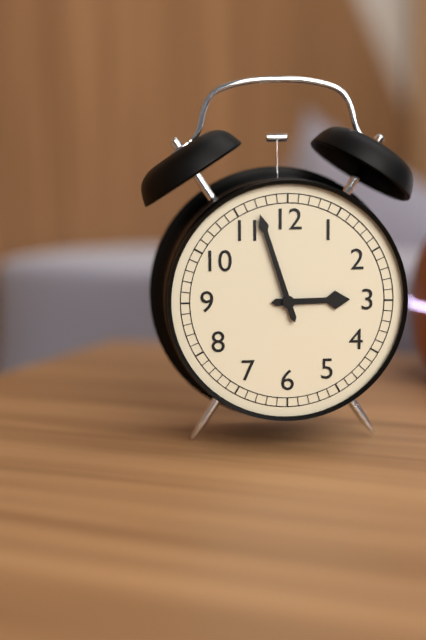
{"hour": 2, "minute": 57}
